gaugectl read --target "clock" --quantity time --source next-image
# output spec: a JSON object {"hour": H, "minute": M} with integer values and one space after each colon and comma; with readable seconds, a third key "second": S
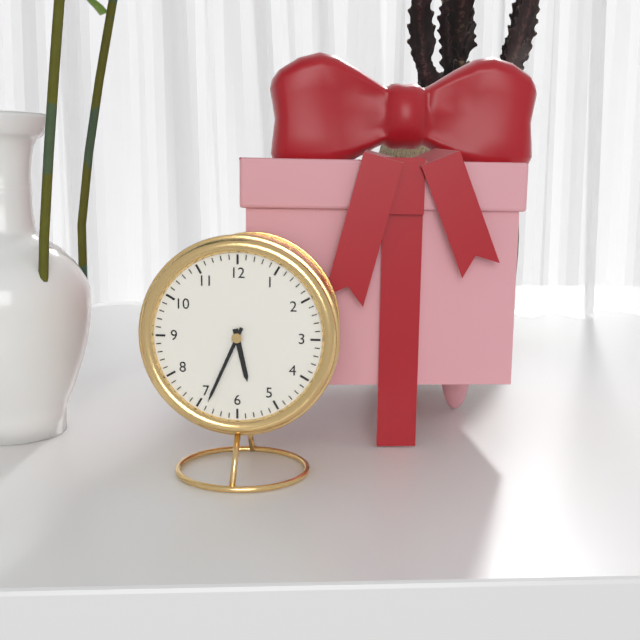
{"hour": 5, "minute": 34}
